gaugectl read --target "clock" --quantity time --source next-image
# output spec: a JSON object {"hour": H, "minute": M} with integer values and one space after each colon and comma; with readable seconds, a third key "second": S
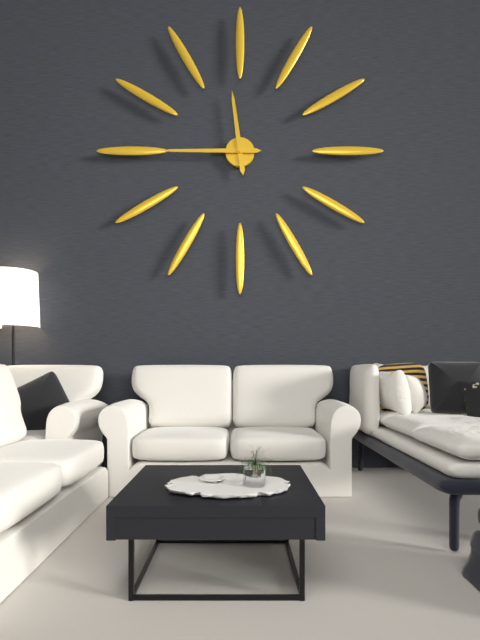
{"hour": 11, "minute": 45}
